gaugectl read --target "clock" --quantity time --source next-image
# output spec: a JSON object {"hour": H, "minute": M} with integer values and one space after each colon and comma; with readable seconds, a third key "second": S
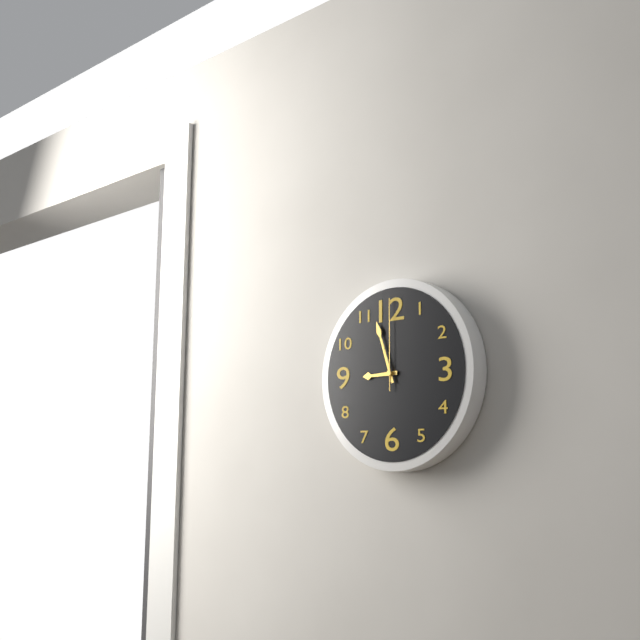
{"hour": 8, "minute": 57, "second": 0}
